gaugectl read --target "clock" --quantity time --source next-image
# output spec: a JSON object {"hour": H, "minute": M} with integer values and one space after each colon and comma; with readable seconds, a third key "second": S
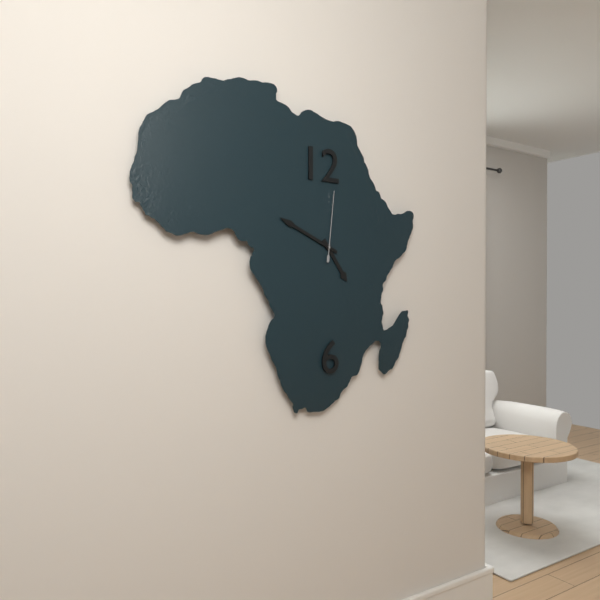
{"hour": 4, "minute": 49, "second": 1}
